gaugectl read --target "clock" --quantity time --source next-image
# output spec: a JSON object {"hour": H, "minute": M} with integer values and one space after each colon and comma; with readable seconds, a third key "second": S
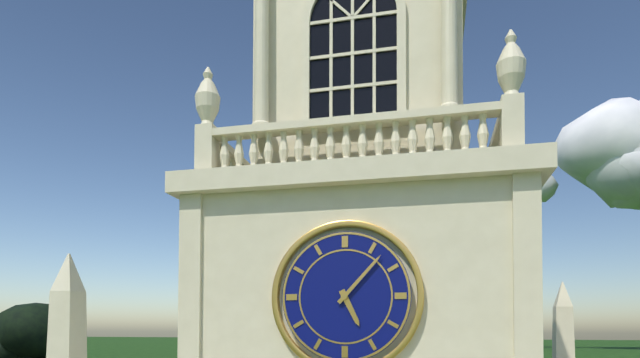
{"hour": 5, "minute": 7}
